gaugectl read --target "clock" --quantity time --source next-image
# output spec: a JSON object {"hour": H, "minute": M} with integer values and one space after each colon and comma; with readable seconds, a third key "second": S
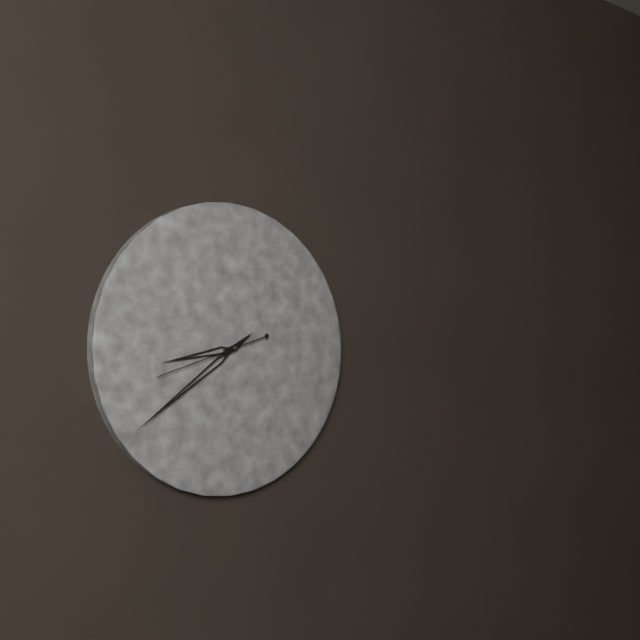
{"hour": 8, "minute": 39, "second": 42}
